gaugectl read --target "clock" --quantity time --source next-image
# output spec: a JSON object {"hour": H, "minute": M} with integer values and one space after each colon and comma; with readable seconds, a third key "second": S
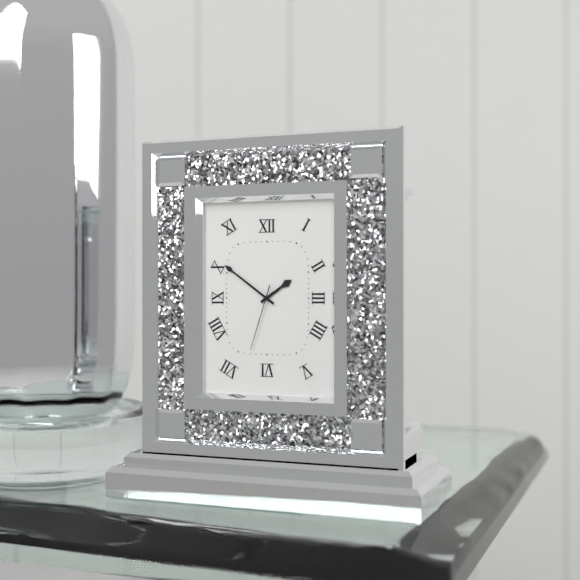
{"hour": 1, "minute": 51, "second": 33}
